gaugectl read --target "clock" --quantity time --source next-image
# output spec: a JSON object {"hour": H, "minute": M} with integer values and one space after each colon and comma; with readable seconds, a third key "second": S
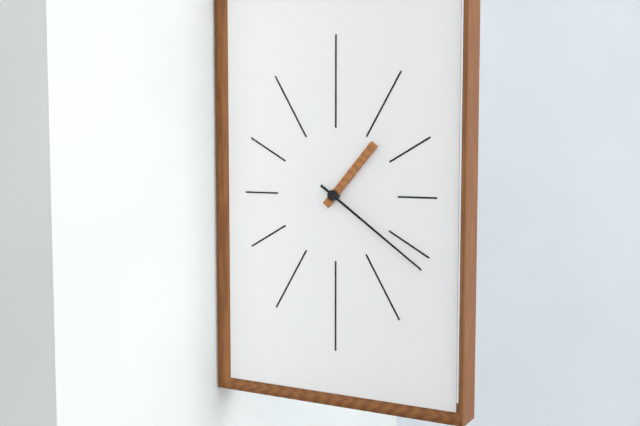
{"hour": 1, "minute": 21}
